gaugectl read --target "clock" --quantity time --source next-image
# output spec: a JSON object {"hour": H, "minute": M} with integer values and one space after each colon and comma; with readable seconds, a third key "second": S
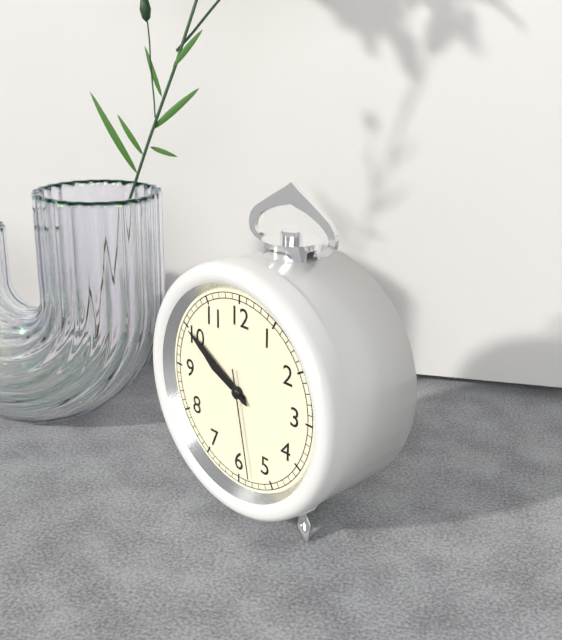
{"hour": 9, "minute": 50, "second": 28}
